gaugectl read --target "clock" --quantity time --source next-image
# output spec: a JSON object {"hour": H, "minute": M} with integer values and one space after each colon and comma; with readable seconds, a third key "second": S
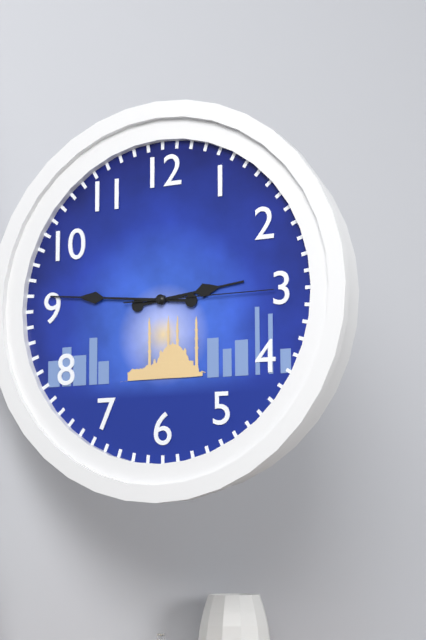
{"hour": 2, "minute": 46, "second": 15}
